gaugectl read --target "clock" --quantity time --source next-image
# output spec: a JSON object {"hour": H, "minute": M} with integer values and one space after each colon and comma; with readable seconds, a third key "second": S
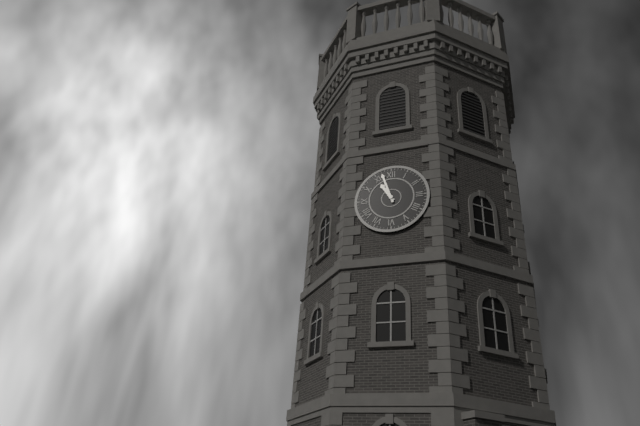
{"hour": 10, "minute": 57}
